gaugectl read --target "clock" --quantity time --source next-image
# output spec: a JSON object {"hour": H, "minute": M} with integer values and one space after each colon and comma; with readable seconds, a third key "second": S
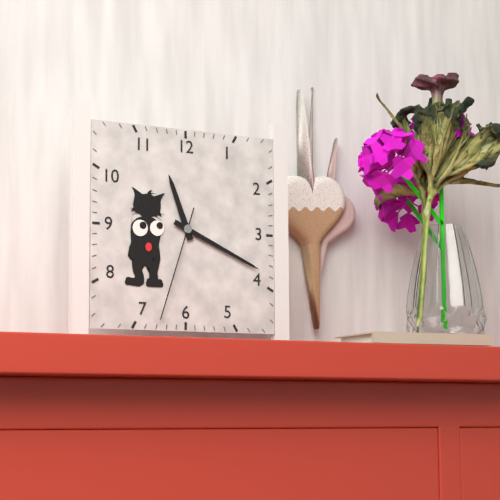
{"hour": 11, "minute": 19, "second": 33}
